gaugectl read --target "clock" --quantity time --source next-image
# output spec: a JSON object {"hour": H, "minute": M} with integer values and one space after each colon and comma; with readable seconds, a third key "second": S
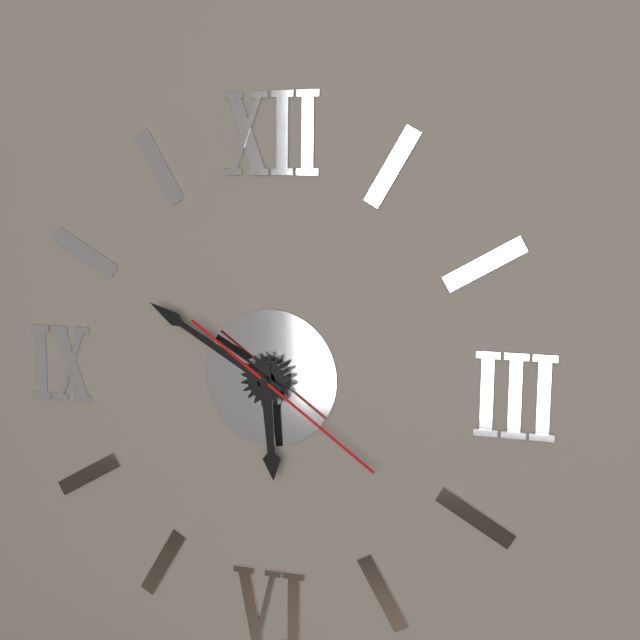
{"hour": 5, "minute": 50, "second": 21}
